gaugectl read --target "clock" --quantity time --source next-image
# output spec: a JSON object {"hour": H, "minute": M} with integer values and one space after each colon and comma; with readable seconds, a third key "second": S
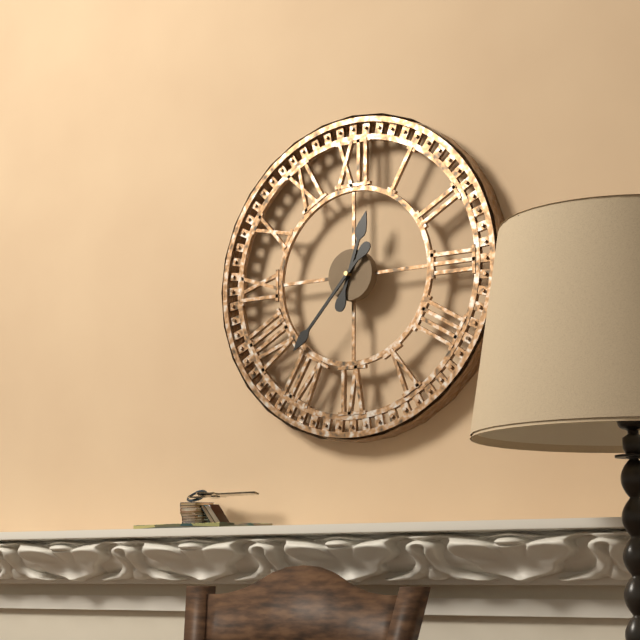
{"hour": 12, "minute": 37}
